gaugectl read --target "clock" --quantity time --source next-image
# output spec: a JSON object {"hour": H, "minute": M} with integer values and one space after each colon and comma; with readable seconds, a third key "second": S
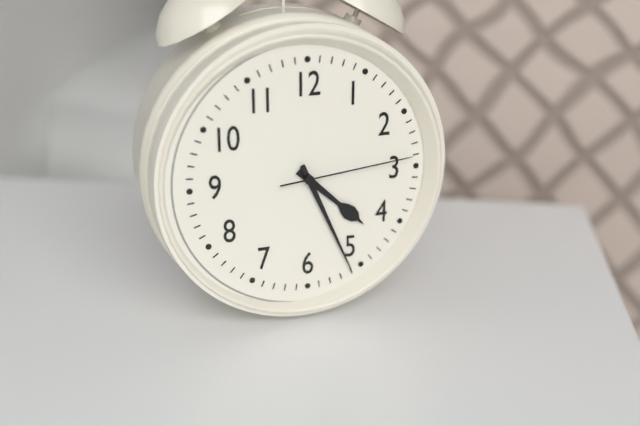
{"hour": 4, "minute": 26, "second": 14}
